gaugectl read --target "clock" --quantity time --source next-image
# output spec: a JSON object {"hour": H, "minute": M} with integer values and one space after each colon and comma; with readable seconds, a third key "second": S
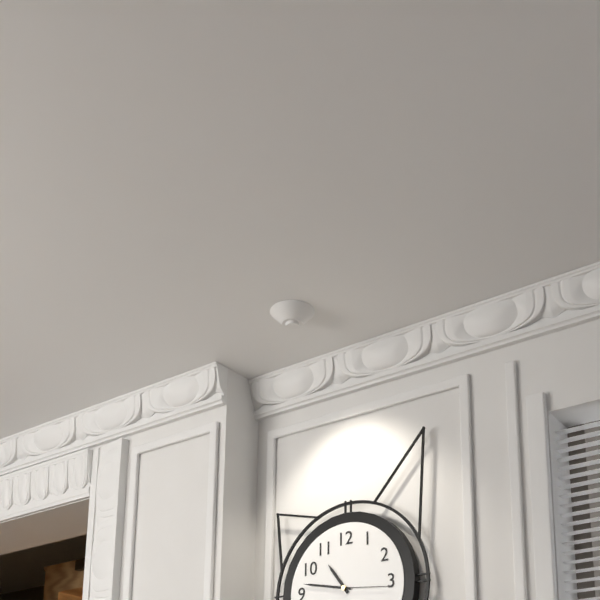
{"hour": 10, "minute": 47}
